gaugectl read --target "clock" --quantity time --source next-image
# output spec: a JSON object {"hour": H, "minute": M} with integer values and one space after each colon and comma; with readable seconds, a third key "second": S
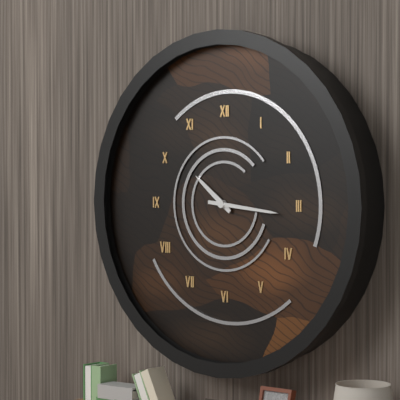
{"hour": 10, "minute": 16}
